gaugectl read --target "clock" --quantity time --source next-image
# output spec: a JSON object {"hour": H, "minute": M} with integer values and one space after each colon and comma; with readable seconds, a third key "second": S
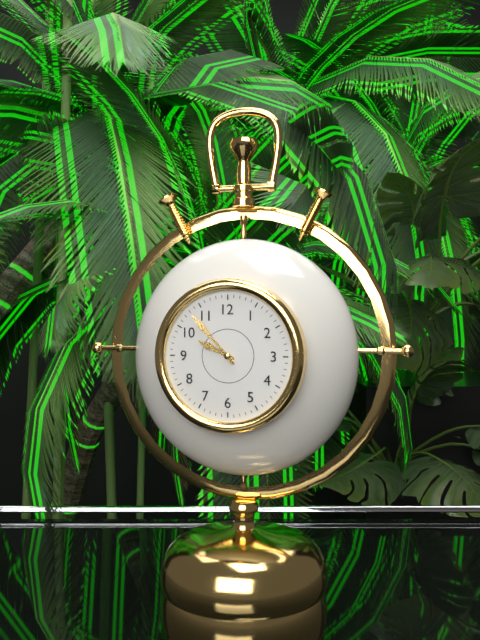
{"hour": 9, "minute": 53}
